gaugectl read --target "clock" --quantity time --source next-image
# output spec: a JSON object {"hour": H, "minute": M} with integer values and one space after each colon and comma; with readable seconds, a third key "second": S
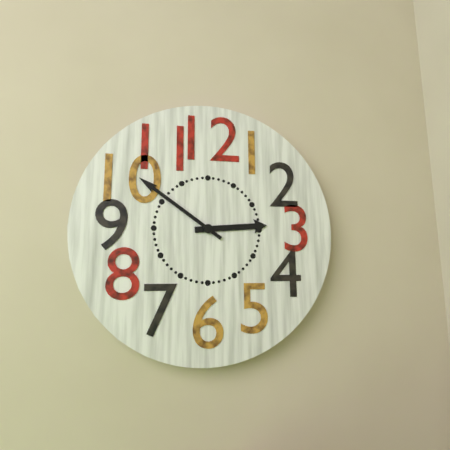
{"hour": 2, "minute": 51}
